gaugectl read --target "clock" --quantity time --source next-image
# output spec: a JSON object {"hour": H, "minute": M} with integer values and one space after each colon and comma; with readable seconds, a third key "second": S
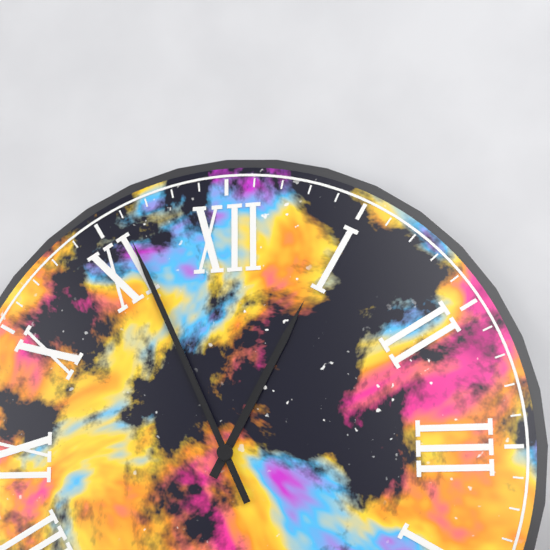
{"hour": 12, "minute": 56}
